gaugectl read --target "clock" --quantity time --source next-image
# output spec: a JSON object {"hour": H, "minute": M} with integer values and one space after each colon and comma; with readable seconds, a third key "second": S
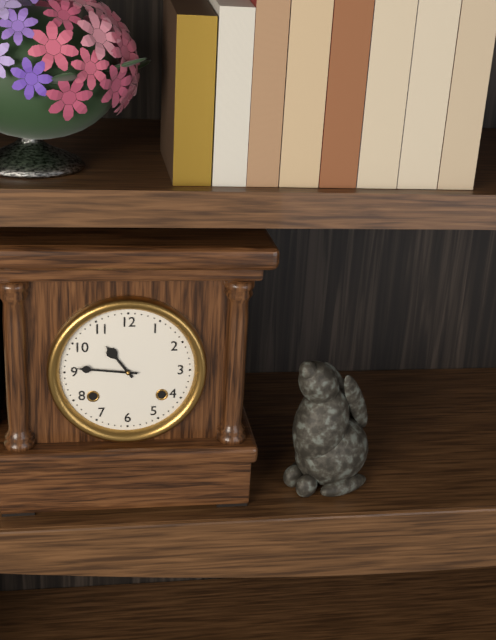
{"hour": 10, "minute": 46}
